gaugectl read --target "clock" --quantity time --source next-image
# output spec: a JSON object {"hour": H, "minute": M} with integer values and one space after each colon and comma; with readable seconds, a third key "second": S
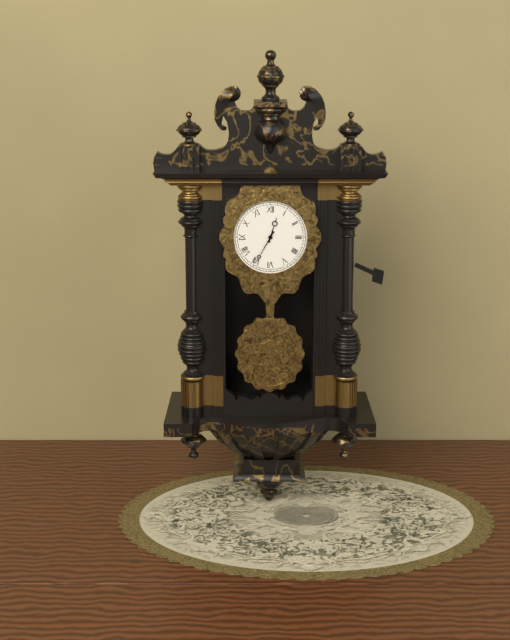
{"hour": 12, "minute": 35}
